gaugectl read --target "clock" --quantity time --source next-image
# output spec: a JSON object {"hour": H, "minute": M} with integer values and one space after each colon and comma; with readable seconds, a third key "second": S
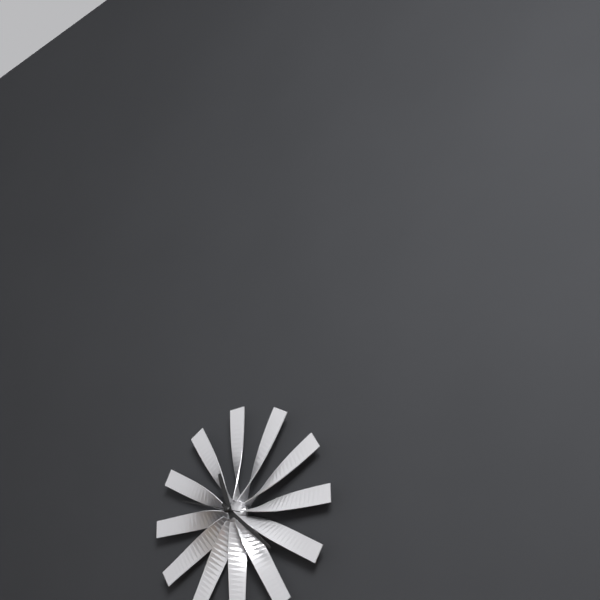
{"hour": 11, "minute": 22, "second": 48}
